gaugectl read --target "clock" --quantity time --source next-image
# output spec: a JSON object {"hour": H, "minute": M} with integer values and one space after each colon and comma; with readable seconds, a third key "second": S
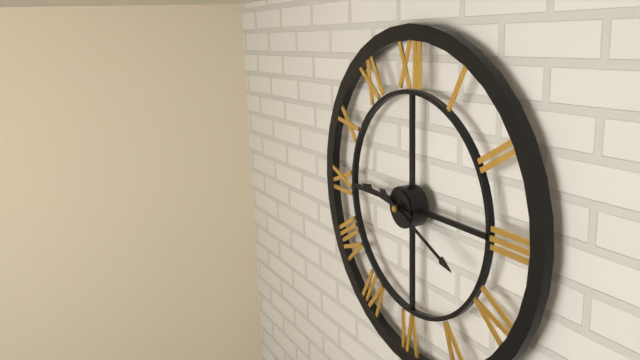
{"hour": 9, "minute": 19}
